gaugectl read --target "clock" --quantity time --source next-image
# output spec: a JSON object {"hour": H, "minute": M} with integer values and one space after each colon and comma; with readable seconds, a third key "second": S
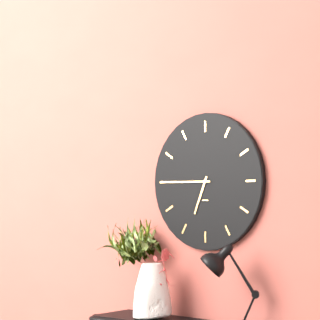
{"hour": 6, "minute": 45}
